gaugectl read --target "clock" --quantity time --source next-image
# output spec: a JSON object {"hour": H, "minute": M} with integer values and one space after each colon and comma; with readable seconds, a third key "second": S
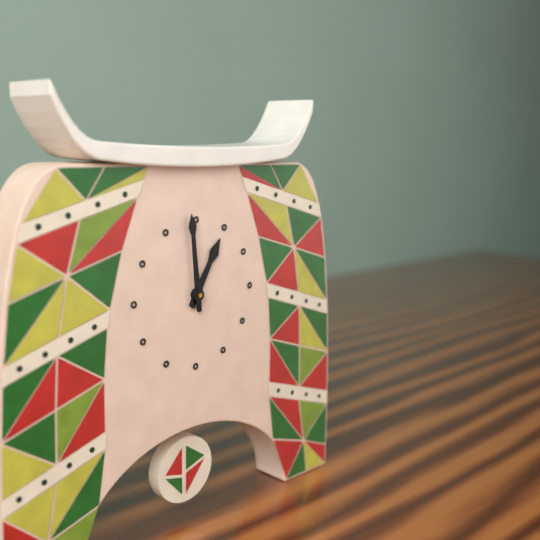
{"hour": 12, "minute": 59}
